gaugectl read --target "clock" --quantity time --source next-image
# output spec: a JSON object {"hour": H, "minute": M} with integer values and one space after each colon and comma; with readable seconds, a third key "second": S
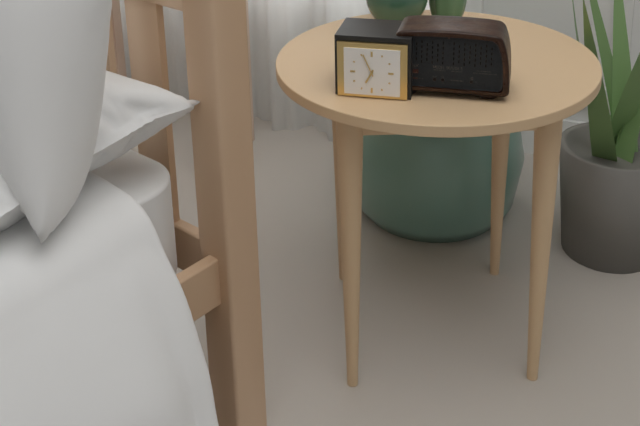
{"hour": 6, "minute": 56}
